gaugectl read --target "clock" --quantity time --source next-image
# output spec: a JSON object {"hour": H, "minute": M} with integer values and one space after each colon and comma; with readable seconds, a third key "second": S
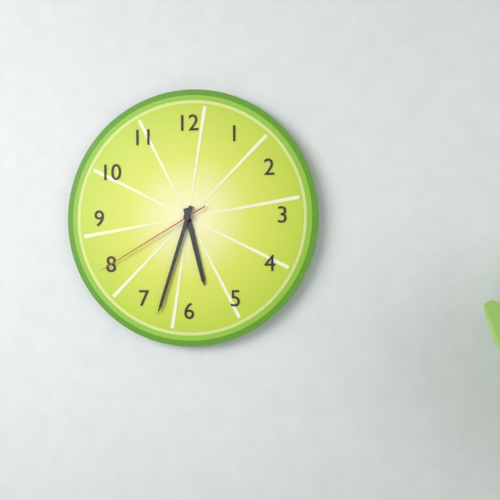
{"hour": 5, "minute": 33, "second": 40}
